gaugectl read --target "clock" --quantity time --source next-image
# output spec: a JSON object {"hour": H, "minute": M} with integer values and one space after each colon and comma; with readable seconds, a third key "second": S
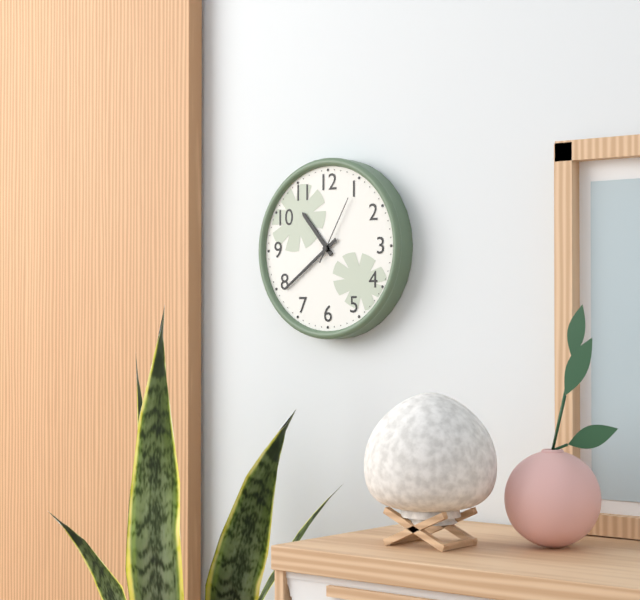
{"hour": 10, "minute": 39, "second": 5}
